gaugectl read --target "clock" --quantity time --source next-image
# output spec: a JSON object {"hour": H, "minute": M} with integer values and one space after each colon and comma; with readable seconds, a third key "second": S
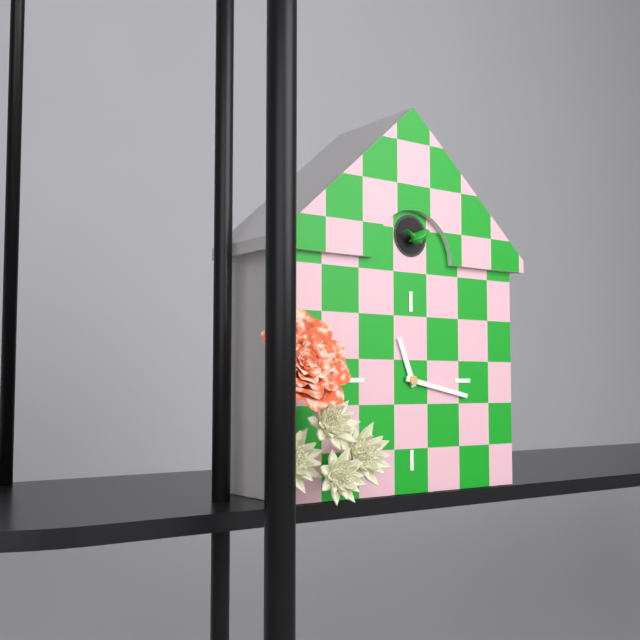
{"hour": 11, "minute": 17}
